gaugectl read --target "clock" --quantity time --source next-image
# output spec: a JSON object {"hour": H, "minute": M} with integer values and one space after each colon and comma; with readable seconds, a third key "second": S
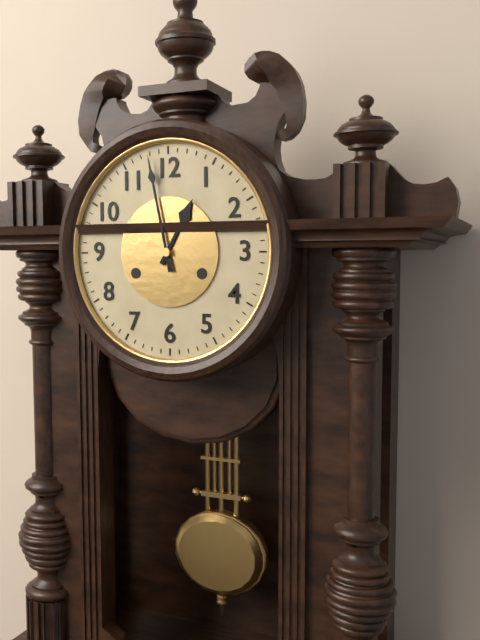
{"hour": 12, "minute": 58}
